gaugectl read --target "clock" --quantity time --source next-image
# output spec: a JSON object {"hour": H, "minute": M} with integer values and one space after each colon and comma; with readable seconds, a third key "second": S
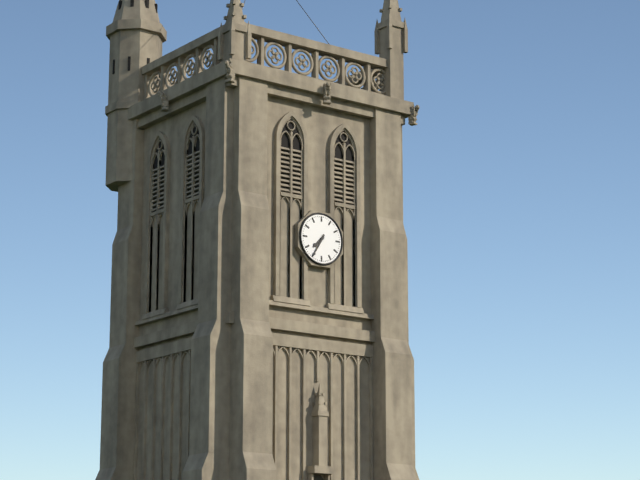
{"hour": 7, "minute": 35}
